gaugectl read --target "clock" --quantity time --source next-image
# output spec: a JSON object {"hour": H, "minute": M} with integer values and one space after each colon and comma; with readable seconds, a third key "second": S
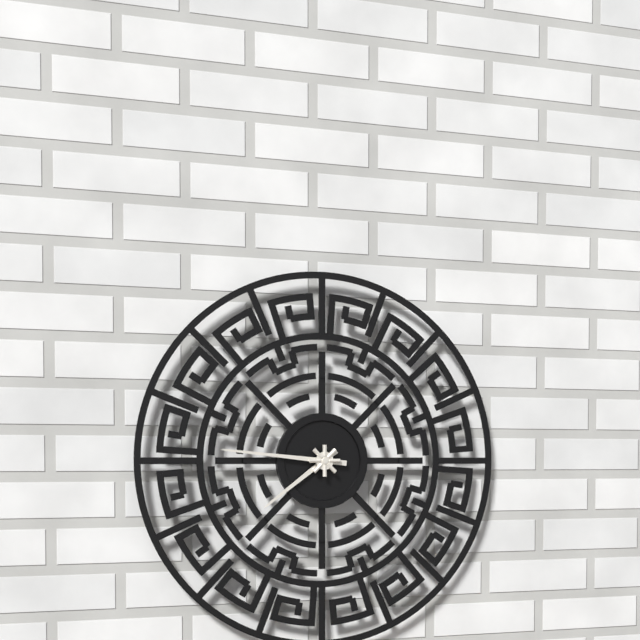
{"hour": 7, "minute": 46}
